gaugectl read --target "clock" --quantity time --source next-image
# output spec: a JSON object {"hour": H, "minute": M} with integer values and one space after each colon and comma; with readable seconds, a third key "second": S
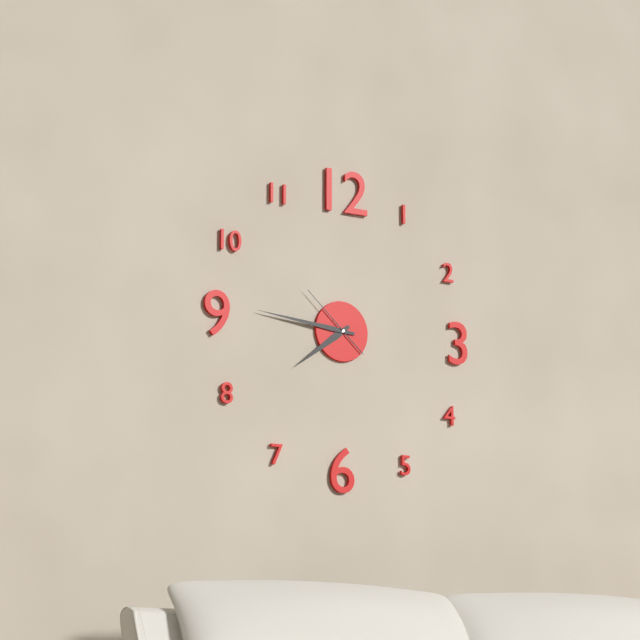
{"hour": 7, "minute": 46, "second": 52}
